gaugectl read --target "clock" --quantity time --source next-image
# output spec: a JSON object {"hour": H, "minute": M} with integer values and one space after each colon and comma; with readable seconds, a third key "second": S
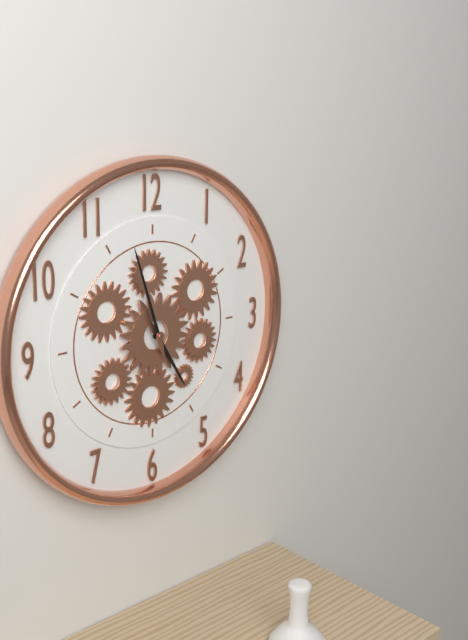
{"hour": 4, "minute": 57}
